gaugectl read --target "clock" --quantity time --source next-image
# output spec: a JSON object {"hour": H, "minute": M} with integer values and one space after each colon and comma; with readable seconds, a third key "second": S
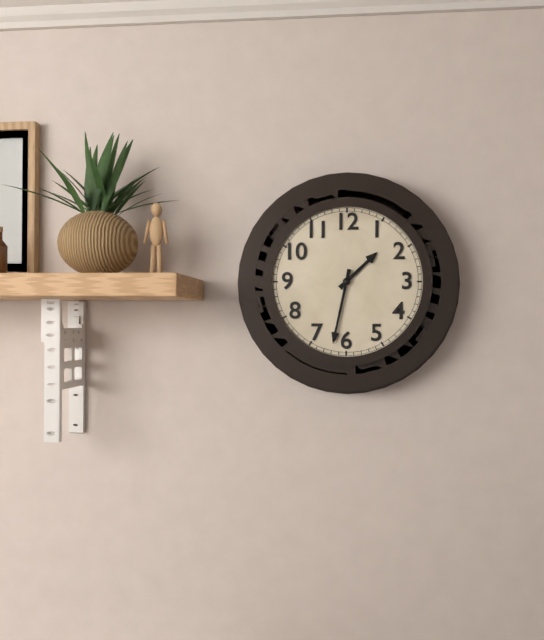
{"hour": 1, "minute": 32}
